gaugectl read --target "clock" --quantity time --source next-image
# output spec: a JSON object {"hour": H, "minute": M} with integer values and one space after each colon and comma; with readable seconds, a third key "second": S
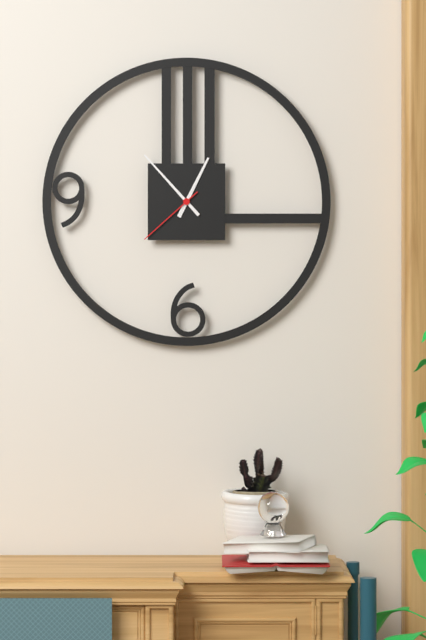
{"hour": 12, "minute": 53, "second": 38}
